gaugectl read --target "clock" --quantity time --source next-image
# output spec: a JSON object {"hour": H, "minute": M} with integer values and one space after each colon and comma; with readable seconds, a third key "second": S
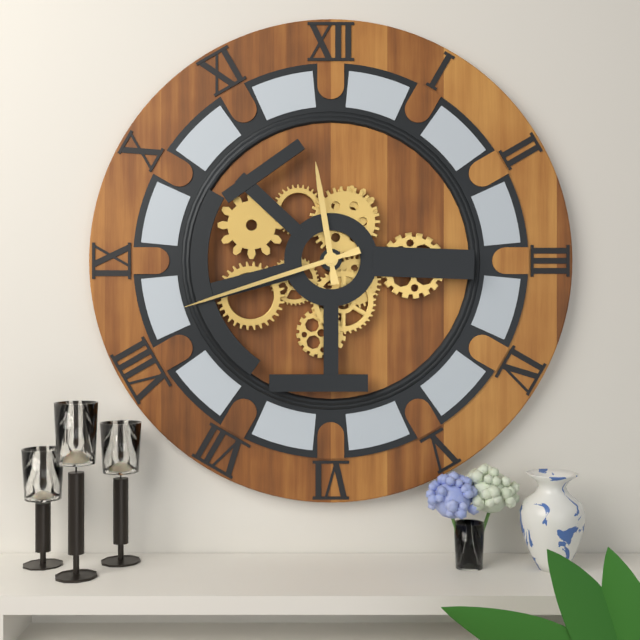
{"hour": 11, "minute": 42}
